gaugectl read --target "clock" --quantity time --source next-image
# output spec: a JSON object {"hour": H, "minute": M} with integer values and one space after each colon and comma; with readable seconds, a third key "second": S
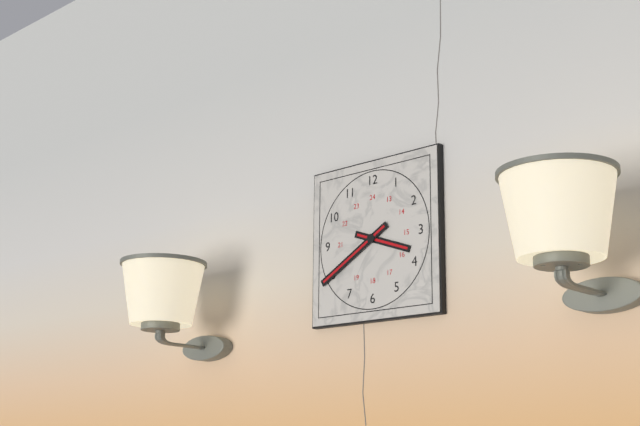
{"hour": 3, "minute": 40}
